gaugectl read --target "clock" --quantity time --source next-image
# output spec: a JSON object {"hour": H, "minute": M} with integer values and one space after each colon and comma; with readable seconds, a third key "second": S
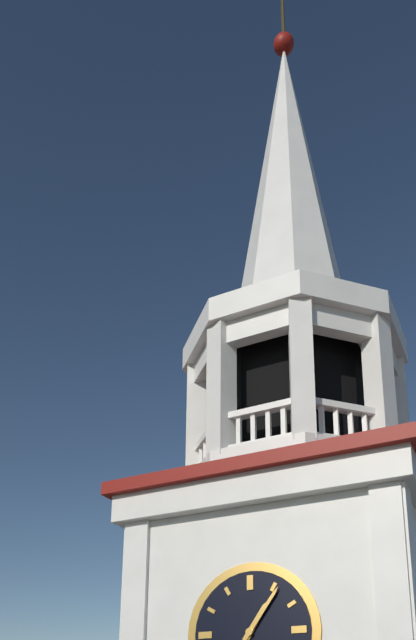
{"hour": 1, "minute": 6}
